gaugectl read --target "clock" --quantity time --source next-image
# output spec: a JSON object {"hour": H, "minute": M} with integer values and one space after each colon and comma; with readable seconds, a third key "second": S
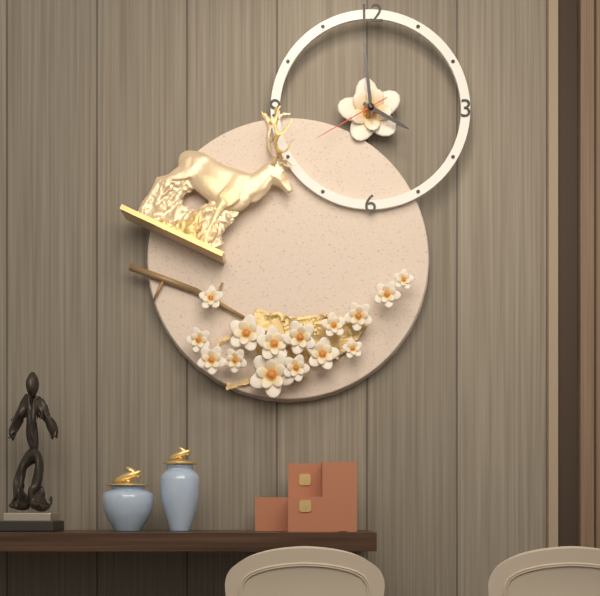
{"hour": 3, "minute": 59, "second": 40}
